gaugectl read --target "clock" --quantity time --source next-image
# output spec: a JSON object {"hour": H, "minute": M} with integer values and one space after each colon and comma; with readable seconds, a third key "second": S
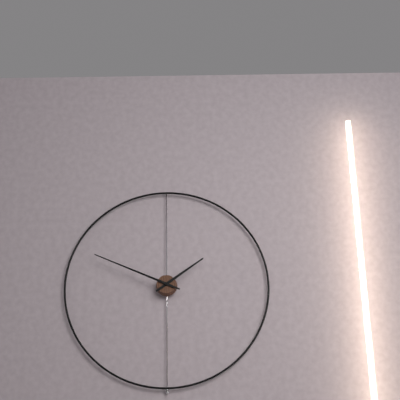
{"hour": 1, "minute": 49}
